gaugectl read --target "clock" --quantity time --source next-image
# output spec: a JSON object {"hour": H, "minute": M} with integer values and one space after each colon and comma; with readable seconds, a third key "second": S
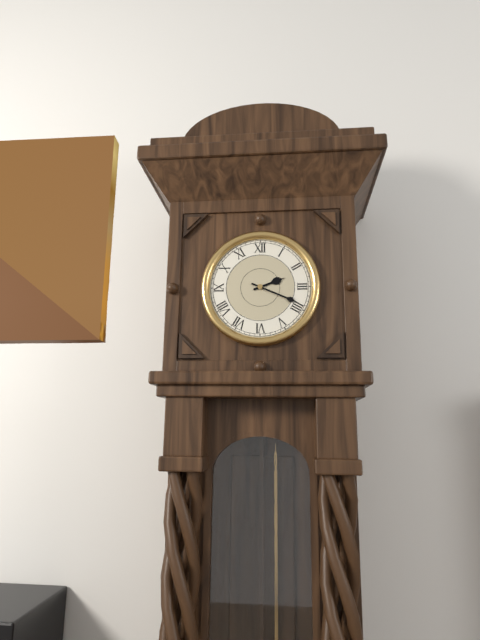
{"hour": 2, "minute": 19}
